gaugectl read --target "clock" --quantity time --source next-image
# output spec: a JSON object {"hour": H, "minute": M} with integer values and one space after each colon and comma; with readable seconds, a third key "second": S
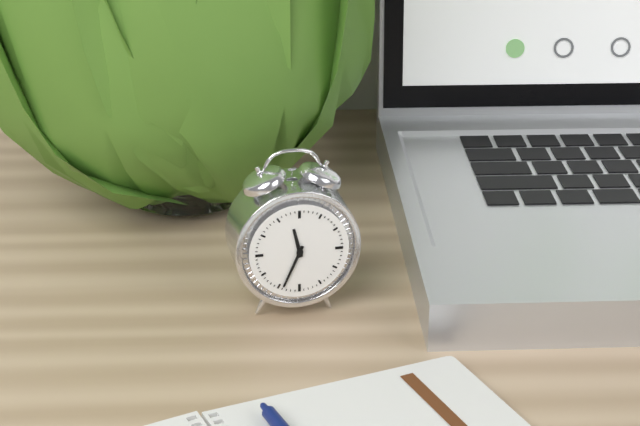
{"hour": 11, "minute": 34}
